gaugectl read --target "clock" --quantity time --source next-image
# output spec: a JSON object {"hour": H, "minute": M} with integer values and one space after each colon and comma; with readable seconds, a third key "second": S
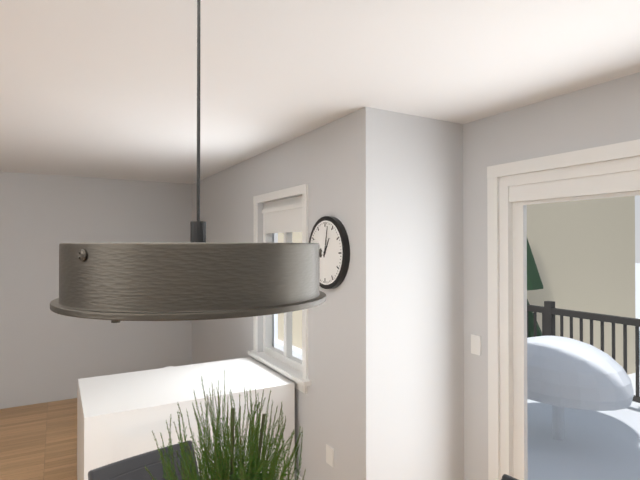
{"hour": 1, "minute": 2}
